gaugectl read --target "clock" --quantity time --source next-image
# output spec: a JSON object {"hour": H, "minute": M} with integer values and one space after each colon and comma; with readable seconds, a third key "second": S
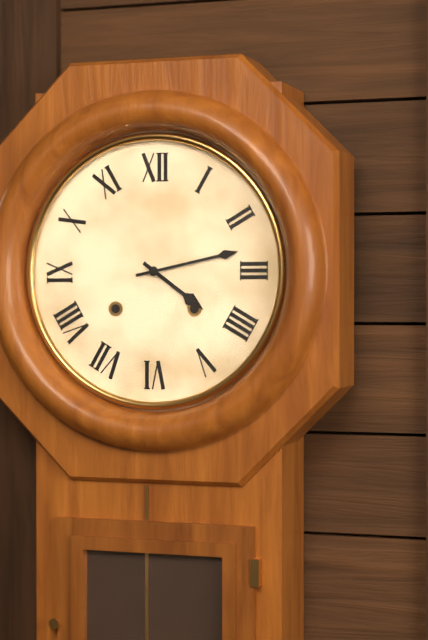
{"hour": 4, "minute": 13}
